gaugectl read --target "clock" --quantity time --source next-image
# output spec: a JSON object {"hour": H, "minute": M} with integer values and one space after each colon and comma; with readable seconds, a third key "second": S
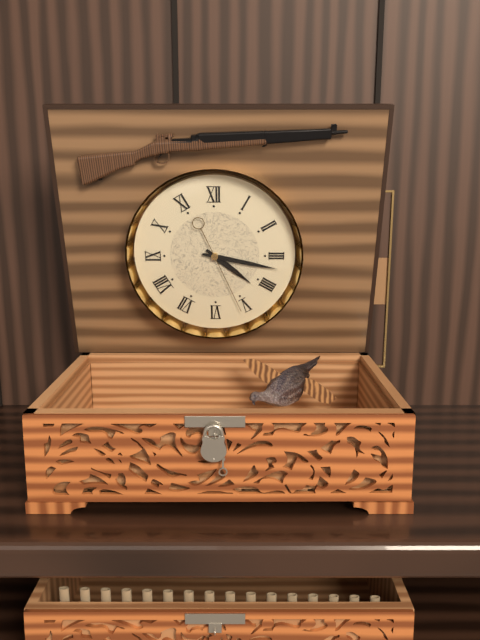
{"hour": 4, "minute": 17, "second": 26}
